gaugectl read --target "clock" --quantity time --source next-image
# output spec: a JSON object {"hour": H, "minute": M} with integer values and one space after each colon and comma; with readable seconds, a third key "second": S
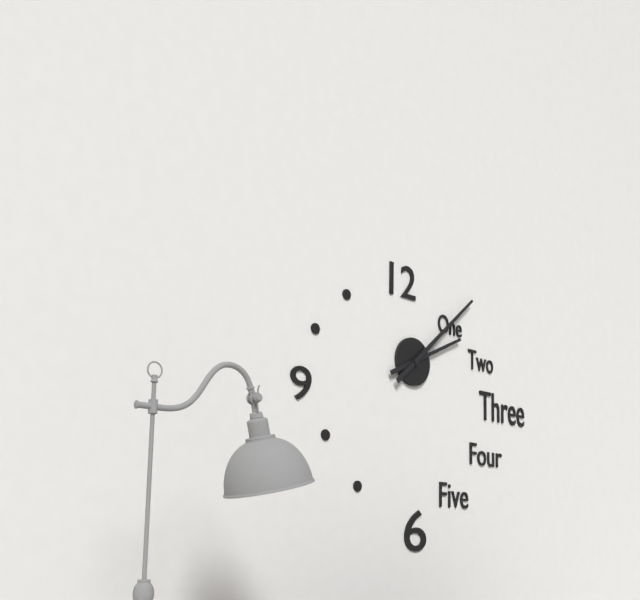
{"hour": 2, "minute": 8}
